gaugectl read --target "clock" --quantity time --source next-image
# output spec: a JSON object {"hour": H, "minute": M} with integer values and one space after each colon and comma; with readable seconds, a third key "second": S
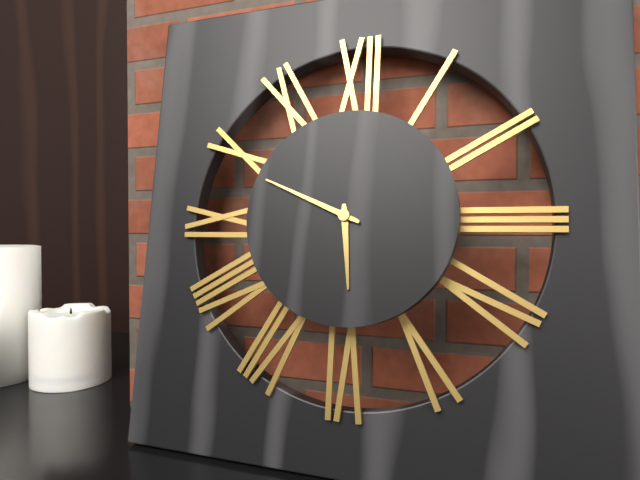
{"hour": 5, "minute": 49}
